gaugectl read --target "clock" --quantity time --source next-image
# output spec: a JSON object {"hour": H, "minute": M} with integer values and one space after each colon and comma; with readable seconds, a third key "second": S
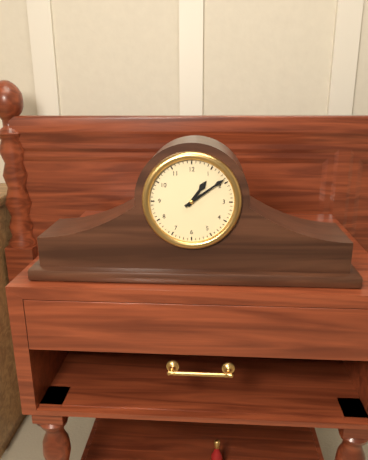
{"hour": 1, "minute": 9}
